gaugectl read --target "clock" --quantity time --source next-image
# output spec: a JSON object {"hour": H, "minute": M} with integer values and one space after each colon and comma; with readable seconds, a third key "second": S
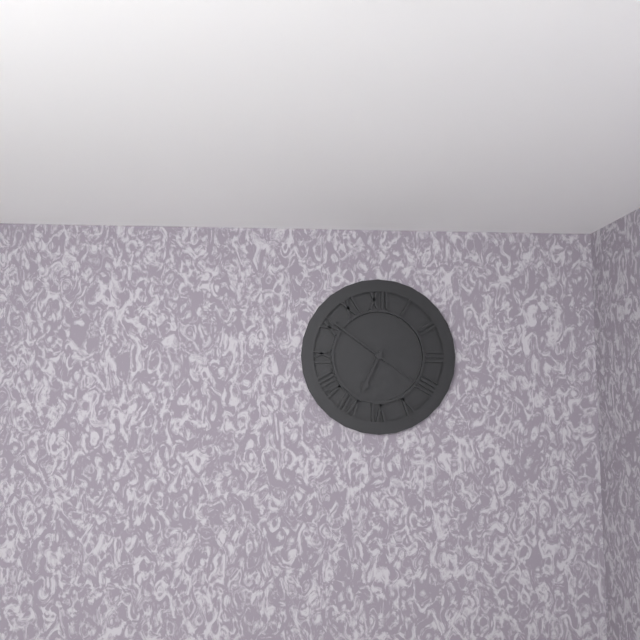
{"hour": 6, "minute": 51, "second": 51}
